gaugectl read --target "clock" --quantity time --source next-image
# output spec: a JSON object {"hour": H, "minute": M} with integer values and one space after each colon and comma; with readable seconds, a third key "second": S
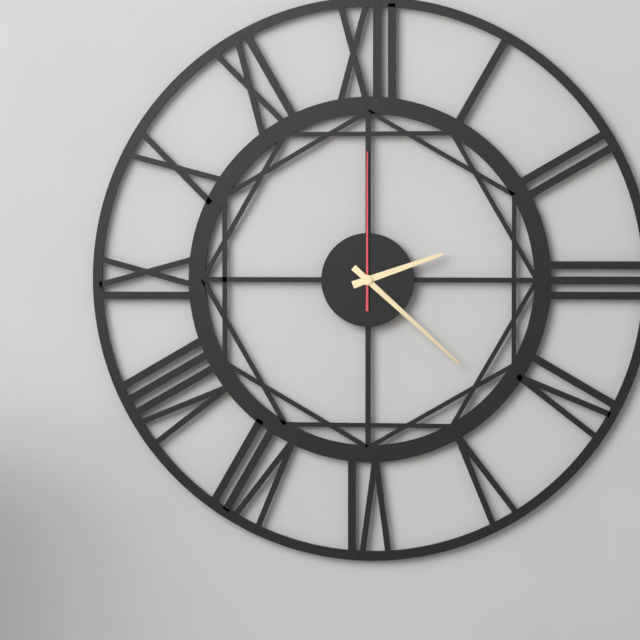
{"hour": 2, "minute": 22, "second": 0}
